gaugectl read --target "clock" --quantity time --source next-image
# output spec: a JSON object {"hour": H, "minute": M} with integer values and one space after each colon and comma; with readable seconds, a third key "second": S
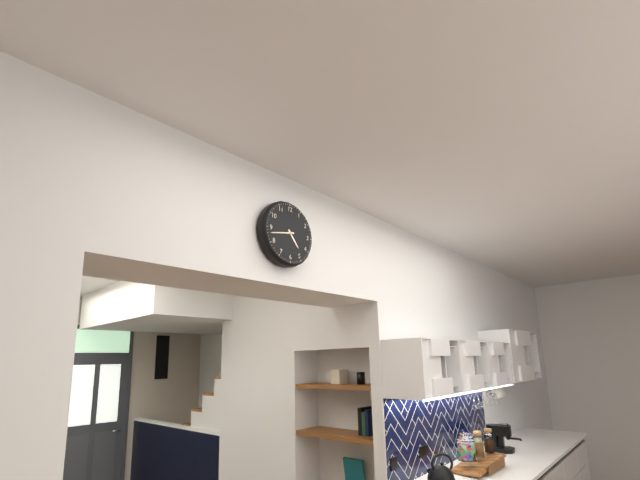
{"hour": 4, "minute": 43}
